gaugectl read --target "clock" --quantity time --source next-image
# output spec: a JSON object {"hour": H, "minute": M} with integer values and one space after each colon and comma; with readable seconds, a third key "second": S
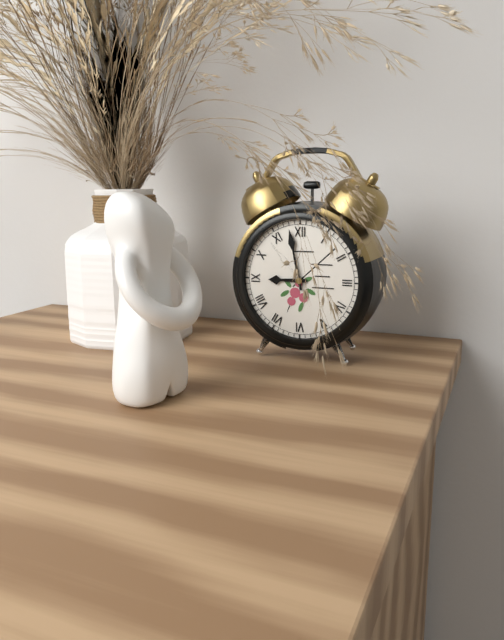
{"hour": 8, "minute": 58}
